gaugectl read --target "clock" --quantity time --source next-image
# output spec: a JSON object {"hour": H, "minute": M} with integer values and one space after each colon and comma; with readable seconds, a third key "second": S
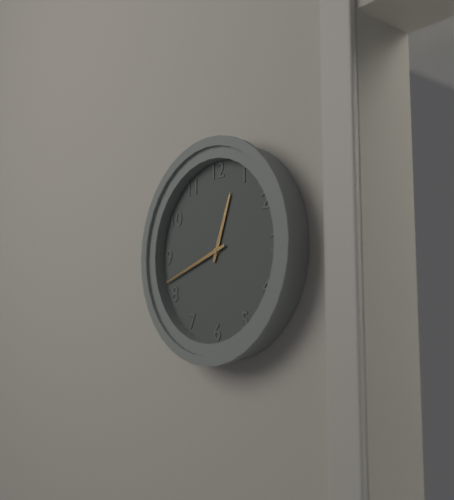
{"hour": 12, "minute": 42}
